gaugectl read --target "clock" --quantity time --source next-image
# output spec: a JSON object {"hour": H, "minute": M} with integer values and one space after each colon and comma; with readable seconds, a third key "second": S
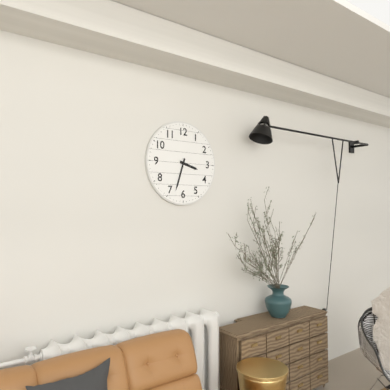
{"hour": 3, "minute": 33}
